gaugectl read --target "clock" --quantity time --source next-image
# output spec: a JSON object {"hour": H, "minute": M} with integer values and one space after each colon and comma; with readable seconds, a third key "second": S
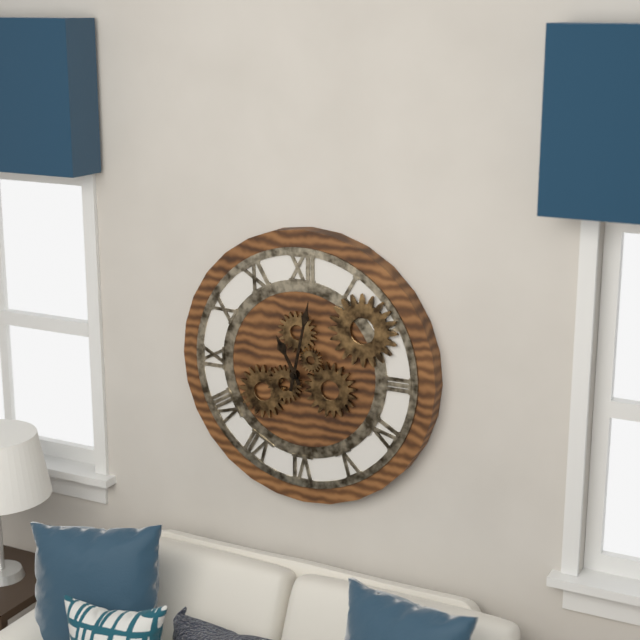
{"hour": 11, "minute": 2}
